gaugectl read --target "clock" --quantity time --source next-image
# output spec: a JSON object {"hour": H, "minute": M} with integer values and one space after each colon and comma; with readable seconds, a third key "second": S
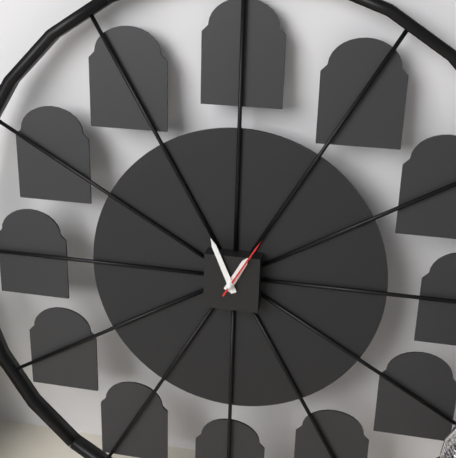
{"hour": 12, "minute": 56, "second": 5}
